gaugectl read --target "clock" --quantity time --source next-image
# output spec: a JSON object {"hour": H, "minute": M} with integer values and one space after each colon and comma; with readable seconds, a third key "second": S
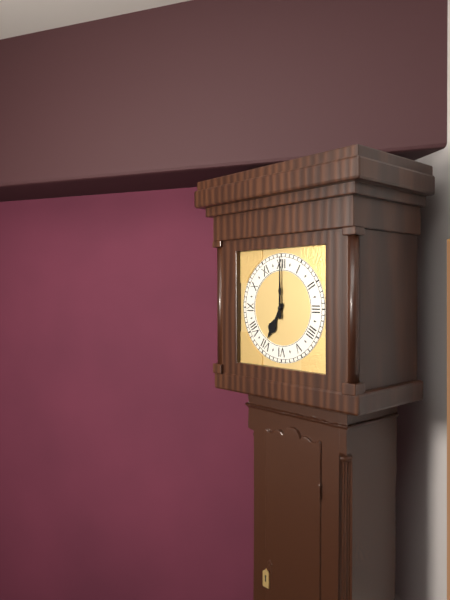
{"hour": 7, "minute": 0}
